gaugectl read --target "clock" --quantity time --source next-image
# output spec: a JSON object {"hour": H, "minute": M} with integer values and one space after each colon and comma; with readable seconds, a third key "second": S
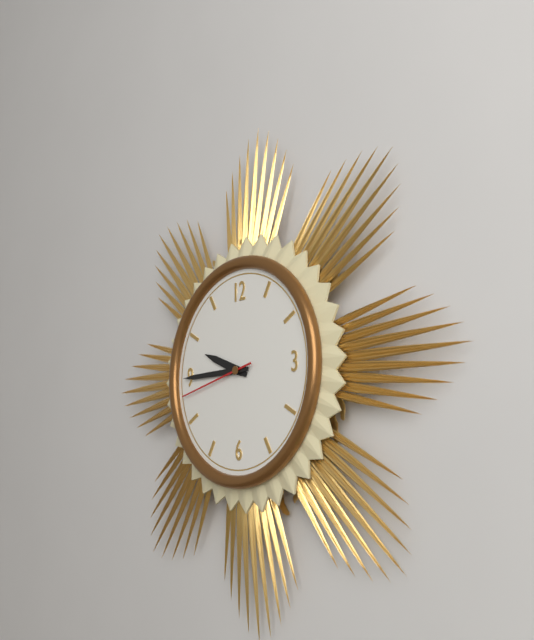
{"hour": 9, "minute": 45, "second": 43}
